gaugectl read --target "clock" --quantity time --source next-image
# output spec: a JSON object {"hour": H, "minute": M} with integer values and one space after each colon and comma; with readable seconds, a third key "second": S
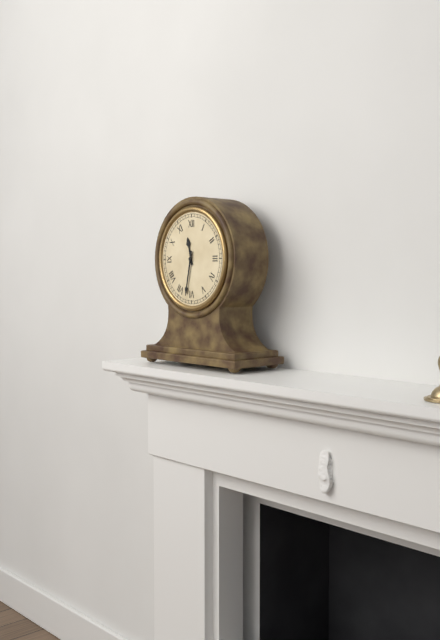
{"hour": 11, "minute": 32}
